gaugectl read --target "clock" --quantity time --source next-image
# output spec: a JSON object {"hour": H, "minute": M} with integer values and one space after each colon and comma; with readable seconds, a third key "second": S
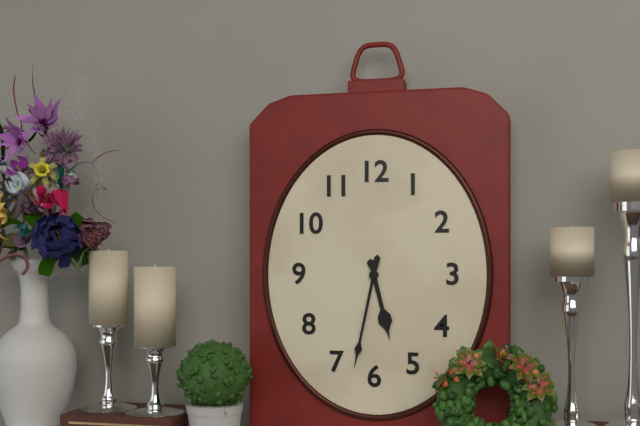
{"hour": 5, "minute": 32}
